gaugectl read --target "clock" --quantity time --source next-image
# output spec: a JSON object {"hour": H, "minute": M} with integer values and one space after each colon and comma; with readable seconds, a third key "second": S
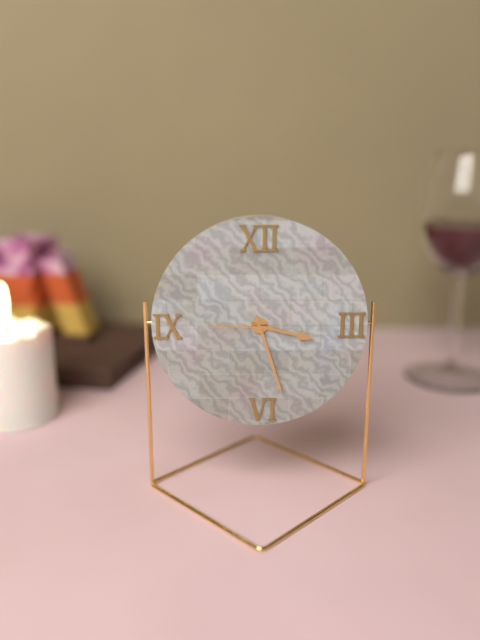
{"hour": 3, "minute": 27, "second": 45}
